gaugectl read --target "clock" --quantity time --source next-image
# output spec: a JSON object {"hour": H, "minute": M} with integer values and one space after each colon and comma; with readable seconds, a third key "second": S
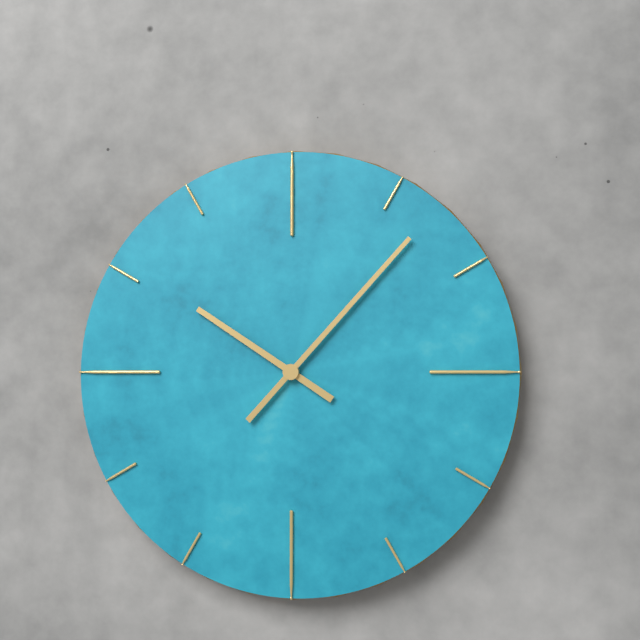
{"hour": 10, "minute": 7}
